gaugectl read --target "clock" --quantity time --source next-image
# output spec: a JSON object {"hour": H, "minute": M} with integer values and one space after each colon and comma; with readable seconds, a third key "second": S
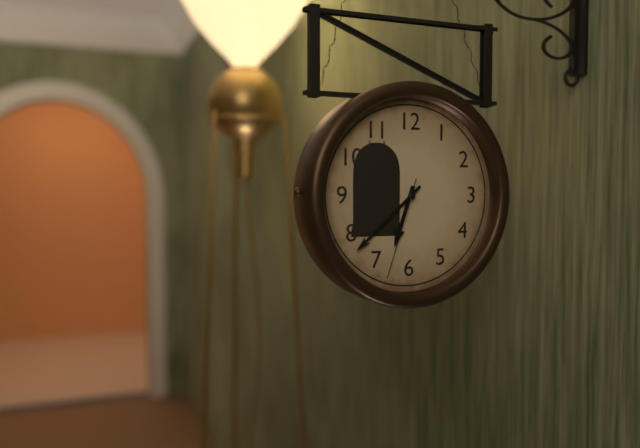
{"hour": 6, "minute": 38, "second": 33}
